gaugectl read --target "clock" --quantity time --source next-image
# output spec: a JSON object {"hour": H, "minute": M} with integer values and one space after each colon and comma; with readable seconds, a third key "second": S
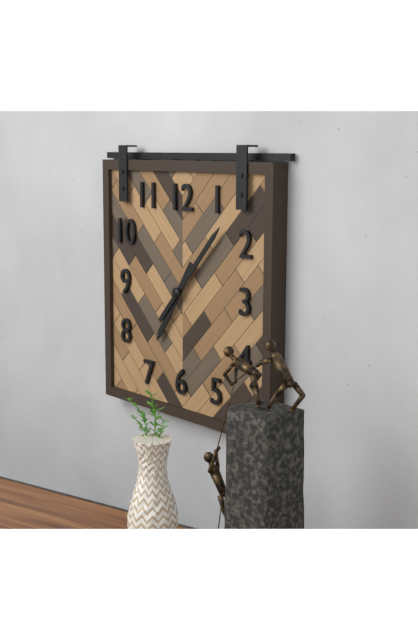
{"hour": 7, "minute": 7}
